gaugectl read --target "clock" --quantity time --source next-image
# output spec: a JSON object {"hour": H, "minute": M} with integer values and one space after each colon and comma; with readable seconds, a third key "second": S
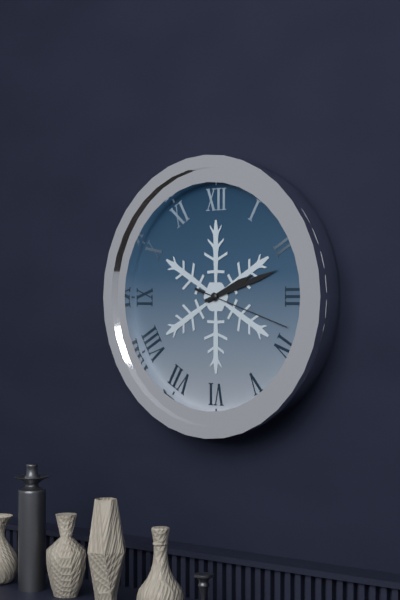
{"hour": 2, "minute": 12, "second": 18}
